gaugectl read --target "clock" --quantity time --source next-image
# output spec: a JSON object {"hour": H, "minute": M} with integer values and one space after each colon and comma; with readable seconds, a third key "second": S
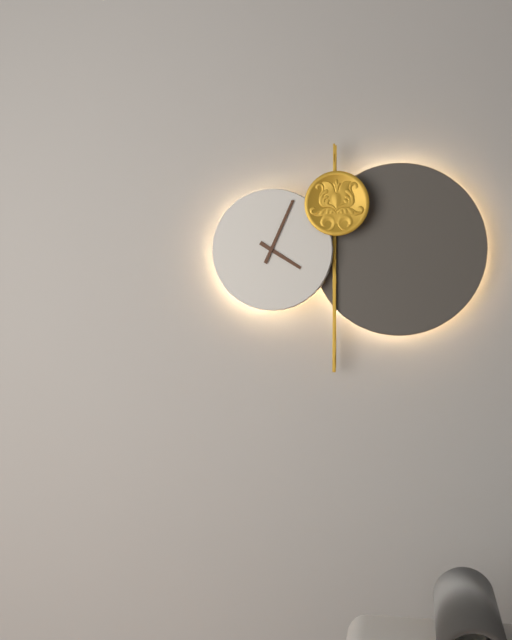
{"hour": 4, "minute": 4}
